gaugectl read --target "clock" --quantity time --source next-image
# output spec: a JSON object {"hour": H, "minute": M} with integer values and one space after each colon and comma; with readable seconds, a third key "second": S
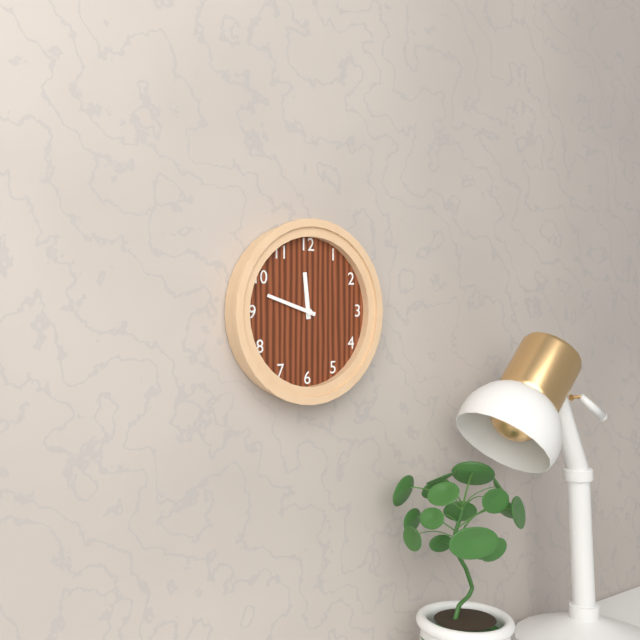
{"hour": 11, "minute": 48}
